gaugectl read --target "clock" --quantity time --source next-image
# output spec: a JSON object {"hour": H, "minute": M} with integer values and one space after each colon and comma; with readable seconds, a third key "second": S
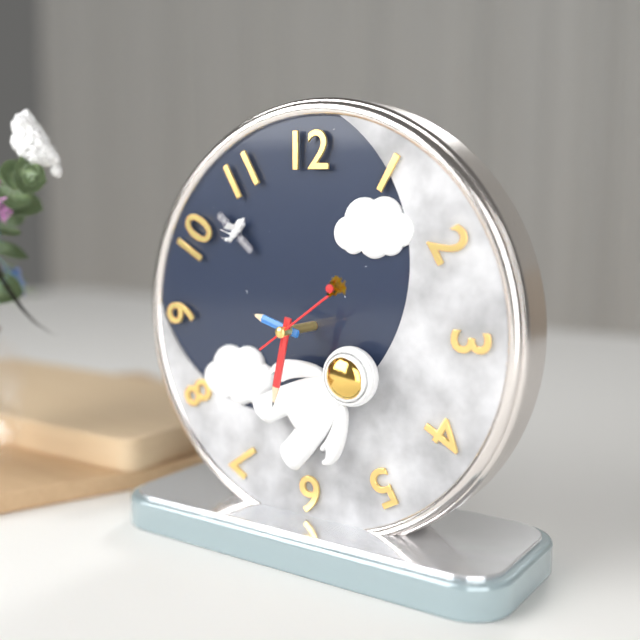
{"hour": 9, "minute": 32, "second": 9}
